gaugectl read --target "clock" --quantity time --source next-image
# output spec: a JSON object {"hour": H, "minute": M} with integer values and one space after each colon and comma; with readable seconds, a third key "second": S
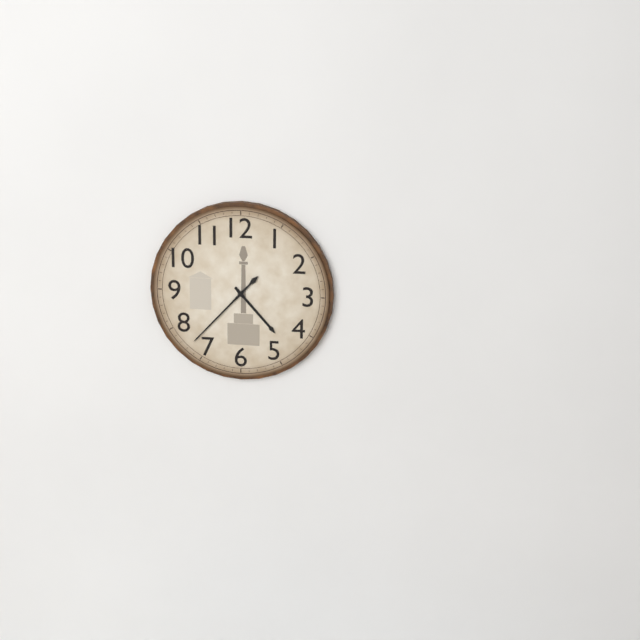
{"hour": 4, "minute": 37}
